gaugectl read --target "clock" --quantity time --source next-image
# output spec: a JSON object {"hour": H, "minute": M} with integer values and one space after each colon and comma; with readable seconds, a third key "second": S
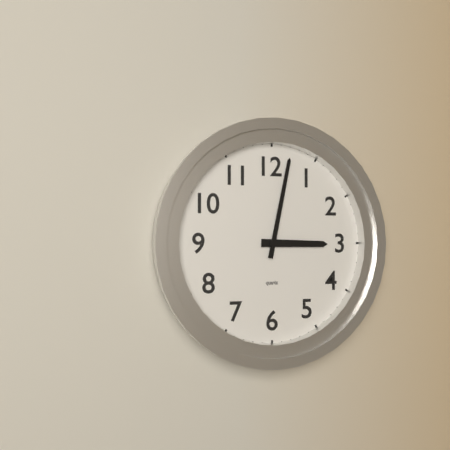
{"hour": 3, "minute": 2}
